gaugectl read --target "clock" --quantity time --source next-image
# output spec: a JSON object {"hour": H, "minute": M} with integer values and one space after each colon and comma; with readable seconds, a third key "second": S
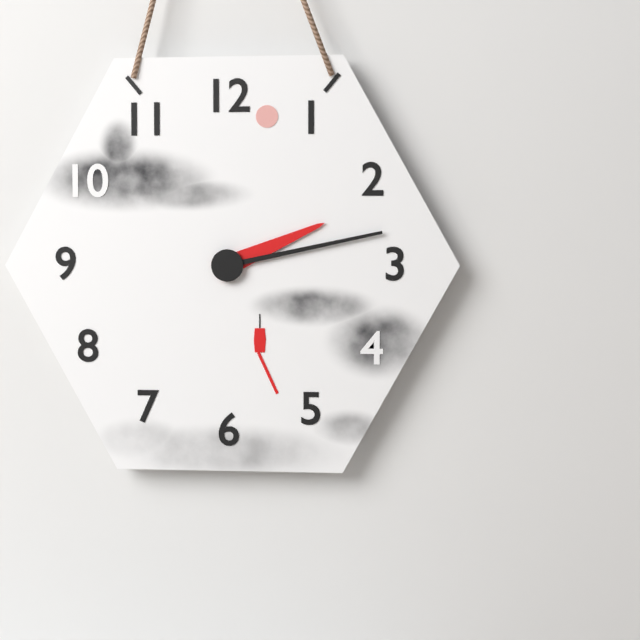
{"hour": 2, "minute": 13}
